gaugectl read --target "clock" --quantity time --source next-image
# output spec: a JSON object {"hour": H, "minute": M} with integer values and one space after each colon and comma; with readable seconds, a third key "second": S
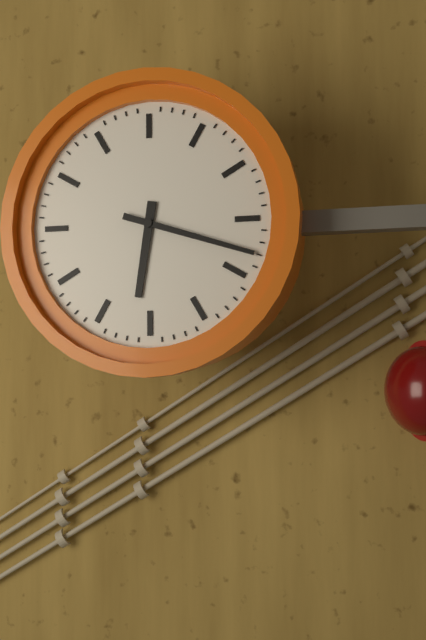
{"hour": 6, "minute": 18}
